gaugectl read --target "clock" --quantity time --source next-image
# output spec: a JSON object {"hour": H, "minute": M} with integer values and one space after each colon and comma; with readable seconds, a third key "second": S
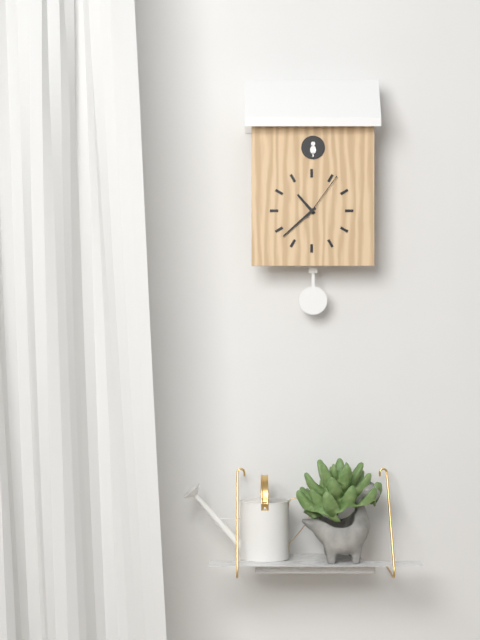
{"hour": 10, "minute": 38, "second": 6}
